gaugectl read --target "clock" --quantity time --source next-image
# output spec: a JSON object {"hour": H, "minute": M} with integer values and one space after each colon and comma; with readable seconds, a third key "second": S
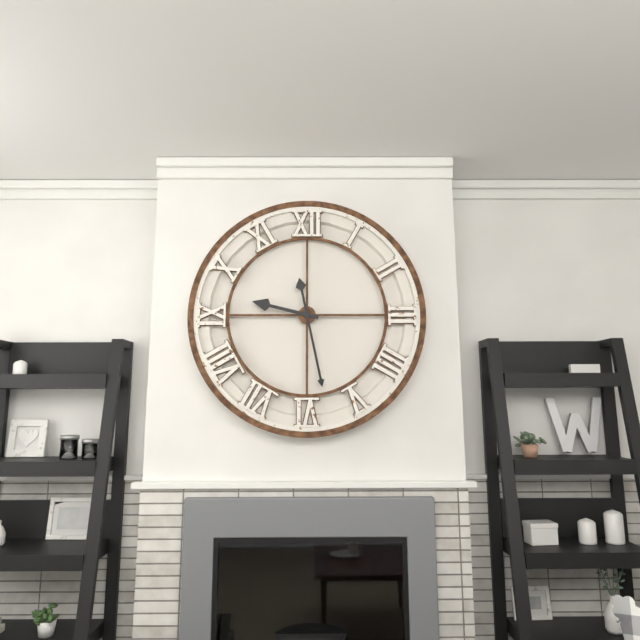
{"hour": 9, "minute": 28}
